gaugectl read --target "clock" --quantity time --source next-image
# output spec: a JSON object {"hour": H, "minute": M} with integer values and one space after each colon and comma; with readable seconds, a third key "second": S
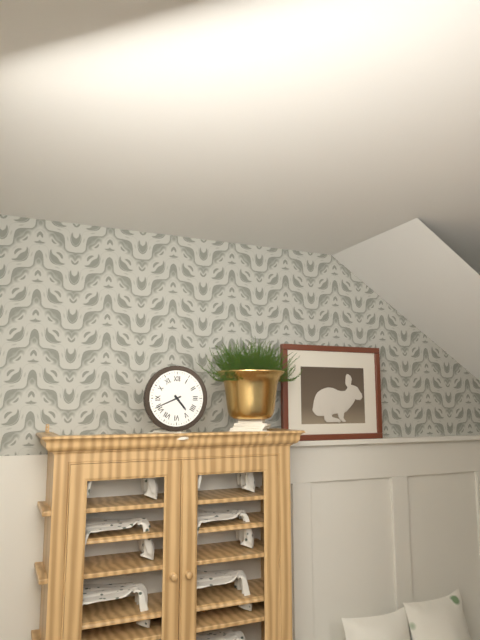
{"hour": 4, "minute": 41}
